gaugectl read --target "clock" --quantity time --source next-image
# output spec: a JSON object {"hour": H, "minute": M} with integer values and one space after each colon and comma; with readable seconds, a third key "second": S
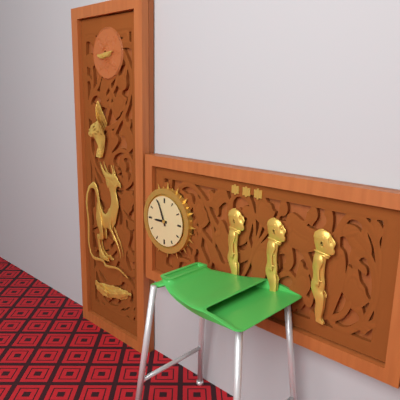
{"hour": 8, "minute": 56}
